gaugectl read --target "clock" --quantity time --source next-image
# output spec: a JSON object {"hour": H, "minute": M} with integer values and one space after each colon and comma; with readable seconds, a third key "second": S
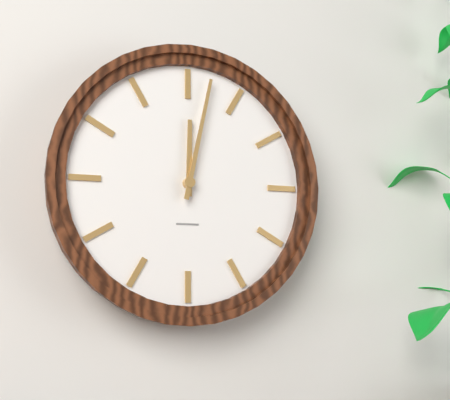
{"hour": 12, "minute": 2}
